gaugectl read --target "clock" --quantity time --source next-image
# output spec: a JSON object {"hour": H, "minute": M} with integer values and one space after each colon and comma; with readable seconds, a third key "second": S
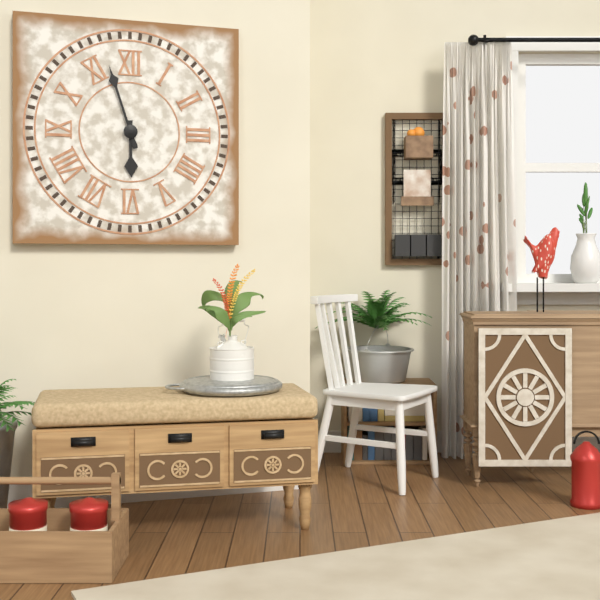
{"hour": 5, "minute": 57}
